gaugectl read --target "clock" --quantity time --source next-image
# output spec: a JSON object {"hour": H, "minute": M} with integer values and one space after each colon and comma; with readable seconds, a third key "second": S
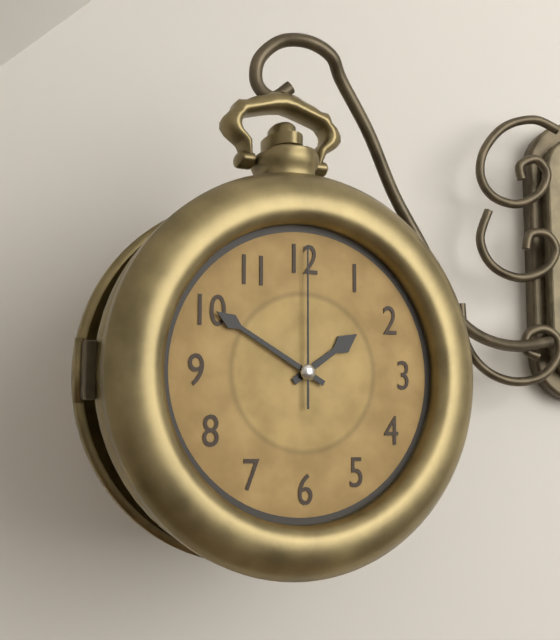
{"hour": 1, "minute": 50, "second": 0}
